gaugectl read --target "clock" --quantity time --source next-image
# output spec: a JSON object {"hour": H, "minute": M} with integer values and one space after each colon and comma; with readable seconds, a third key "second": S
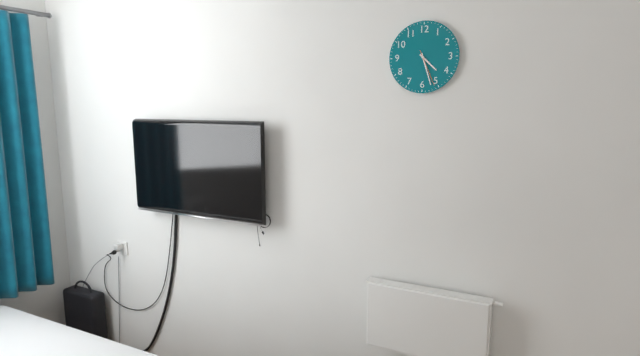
{"hour": 4, "minute": 27}
